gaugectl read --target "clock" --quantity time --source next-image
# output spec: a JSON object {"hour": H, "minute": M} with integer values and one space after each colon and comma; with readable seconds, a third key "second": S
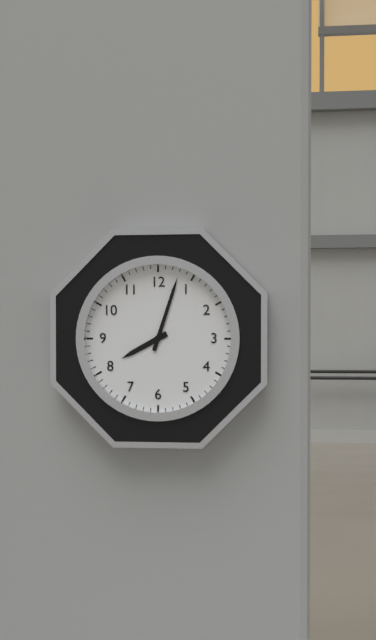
{"hour": 8, "minute": 3}
